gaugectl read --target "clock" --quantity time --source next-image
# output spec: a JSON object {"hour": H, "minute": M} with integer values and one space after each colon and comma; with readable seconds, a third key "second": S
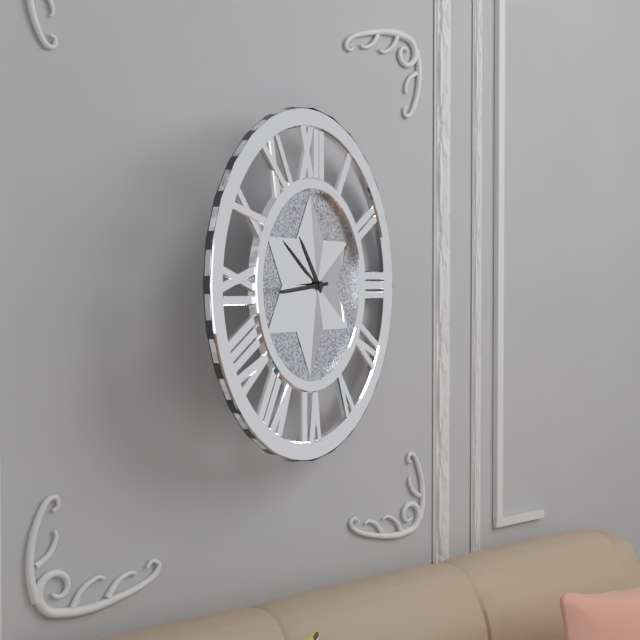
{"hour": 10, "minute": 44}
